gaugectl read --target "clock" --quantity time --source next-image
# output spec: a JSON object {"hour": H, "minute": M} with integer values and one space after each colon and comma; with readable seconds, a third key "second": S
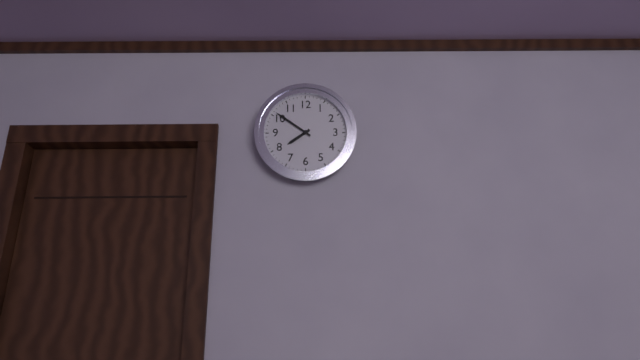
{"hour": 7, "minute": 51}
